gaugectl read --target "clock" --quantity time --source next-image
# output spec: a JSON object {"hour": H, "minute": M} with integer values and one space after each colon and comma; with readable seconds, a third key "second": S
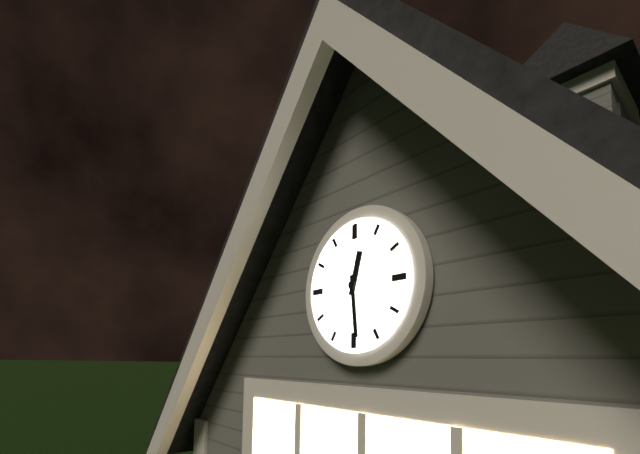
{"hour": 12, "minute": 29}
